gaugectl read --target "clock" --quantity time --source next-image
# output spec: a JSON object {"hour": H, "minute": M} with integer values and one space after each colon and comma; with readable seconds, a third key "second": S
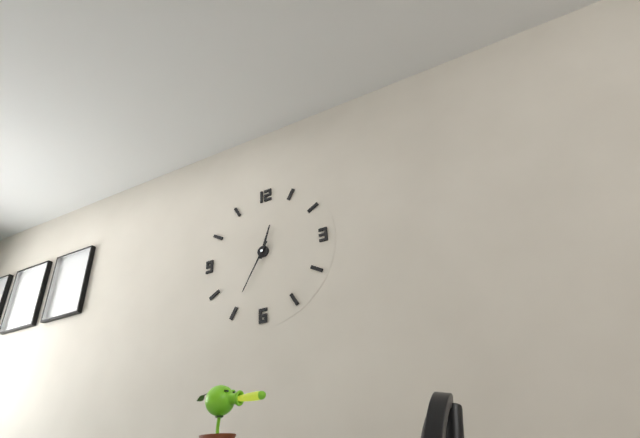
{"hour": 12, "minute": 35}
